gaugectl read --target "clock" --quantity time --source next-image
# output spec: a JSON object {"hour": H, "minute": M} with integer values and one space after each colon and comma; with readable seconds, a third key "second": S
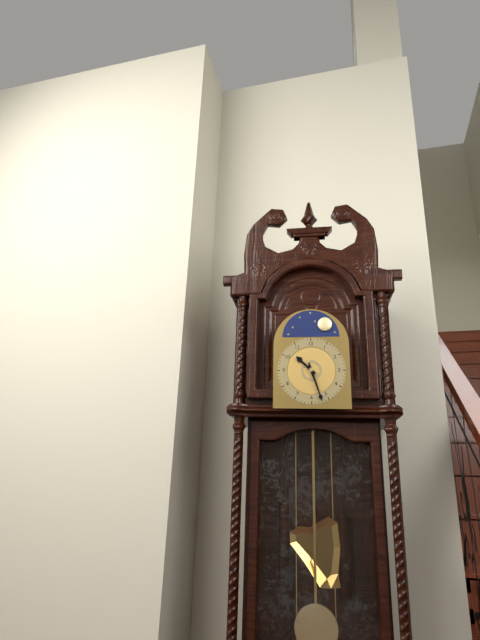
{"hour": 10, "minute": 27}
